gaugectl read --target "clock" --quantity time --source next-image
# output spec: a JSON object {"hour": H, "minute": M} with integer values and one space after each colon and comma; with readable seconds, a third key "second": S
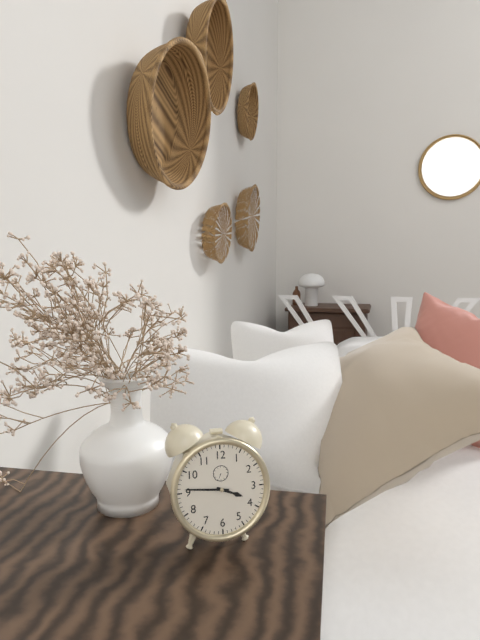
{"hour": 3, "minute": 46}
